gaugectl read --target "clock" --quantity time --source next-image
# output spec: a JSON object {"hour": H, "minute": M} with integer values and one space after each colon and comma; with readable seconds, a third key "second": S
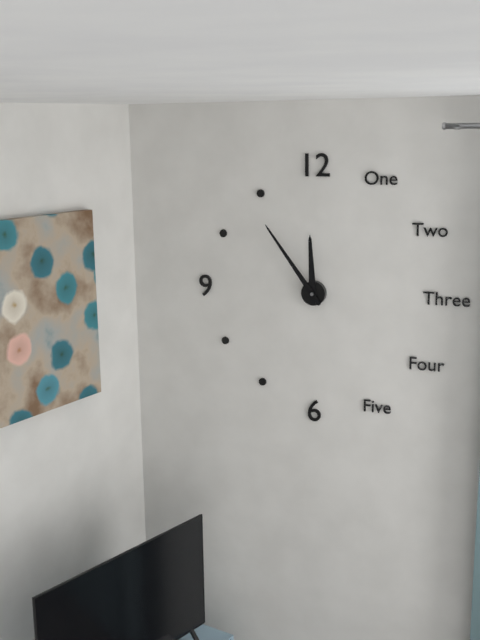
{"hour": 11, "minute": 54}
